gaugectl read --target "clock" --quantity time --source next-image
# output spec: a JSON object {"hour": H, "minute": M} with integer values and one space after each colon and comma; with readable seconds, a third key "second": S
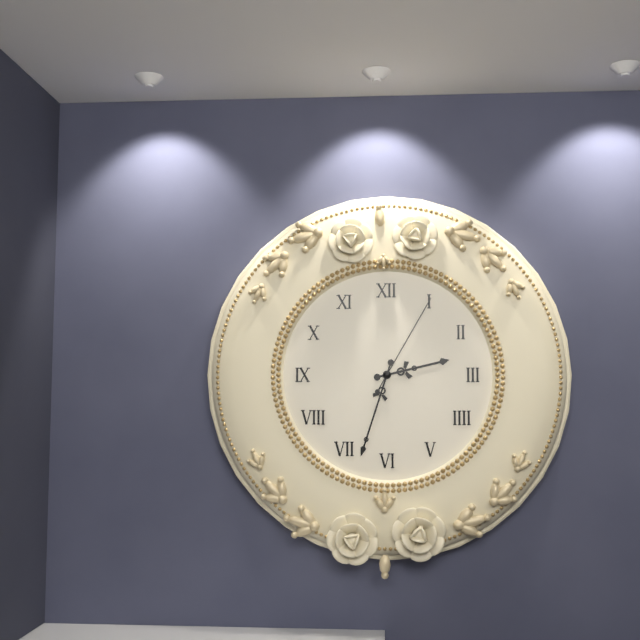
{"hour": 2, "minute": 33, "second": 5}
